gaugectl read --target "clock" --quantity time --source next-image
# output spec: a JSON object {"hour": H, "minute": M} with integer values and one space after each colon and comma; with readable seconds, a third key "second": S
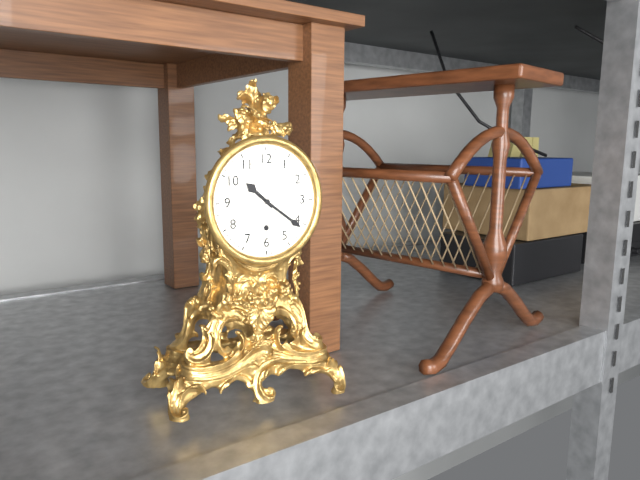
{"hour": 10, "minute": 21}
